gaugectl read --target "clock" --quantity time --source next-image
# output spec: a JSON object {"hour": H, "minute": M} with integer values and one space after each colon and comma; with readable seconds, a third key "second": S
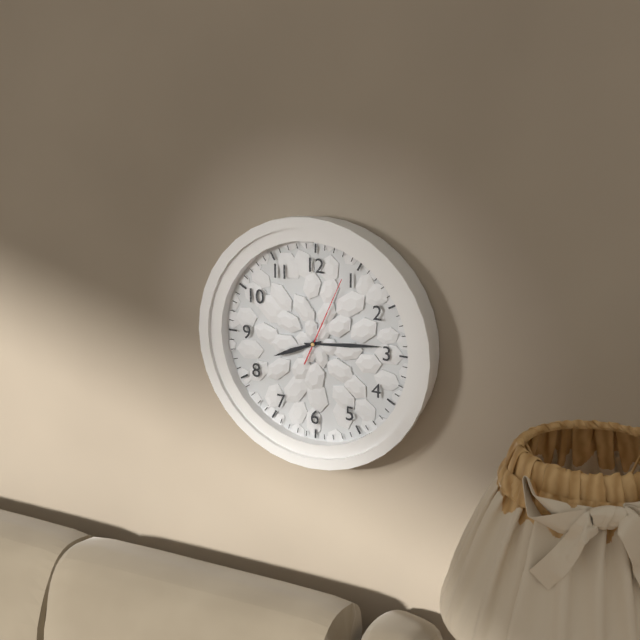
{"hour": 8, "minute": 14, "second": 4}
